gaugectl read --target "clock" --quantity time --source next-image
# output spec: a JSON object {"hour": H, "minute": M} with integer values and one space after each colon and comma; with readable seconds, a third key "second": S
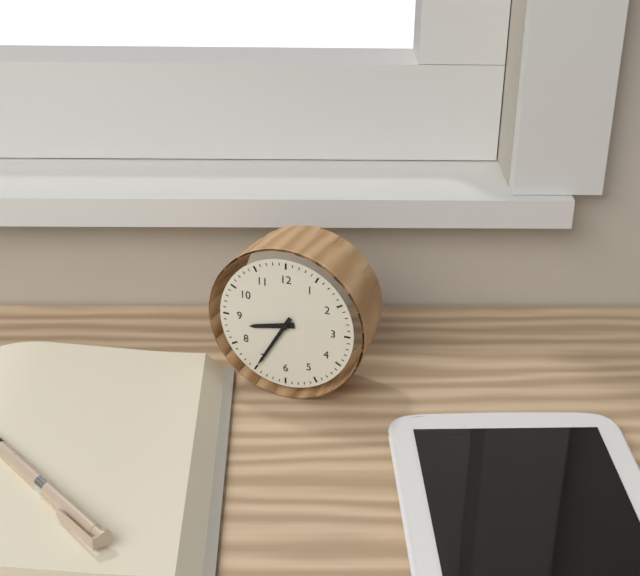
{"hour": 8, "minute": 35}
